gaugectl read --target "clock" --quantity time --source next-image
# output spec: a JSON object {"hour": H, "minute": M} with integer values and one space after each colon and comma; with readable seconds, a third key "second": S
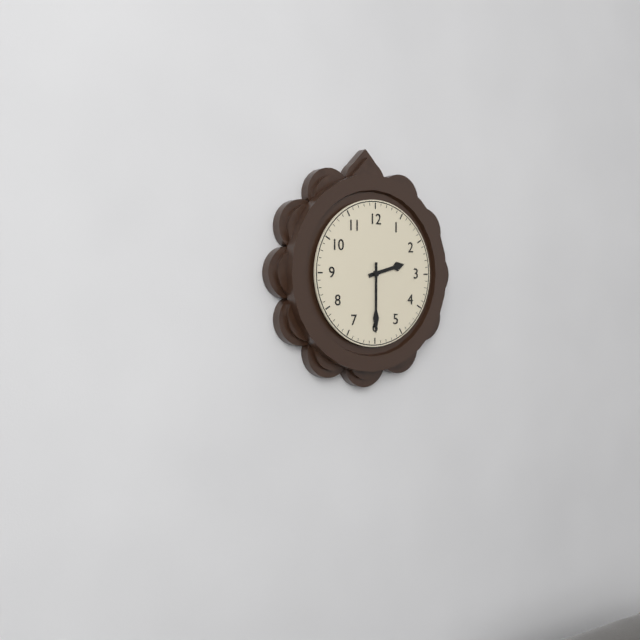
{"hour": 2, "minute": 30}
